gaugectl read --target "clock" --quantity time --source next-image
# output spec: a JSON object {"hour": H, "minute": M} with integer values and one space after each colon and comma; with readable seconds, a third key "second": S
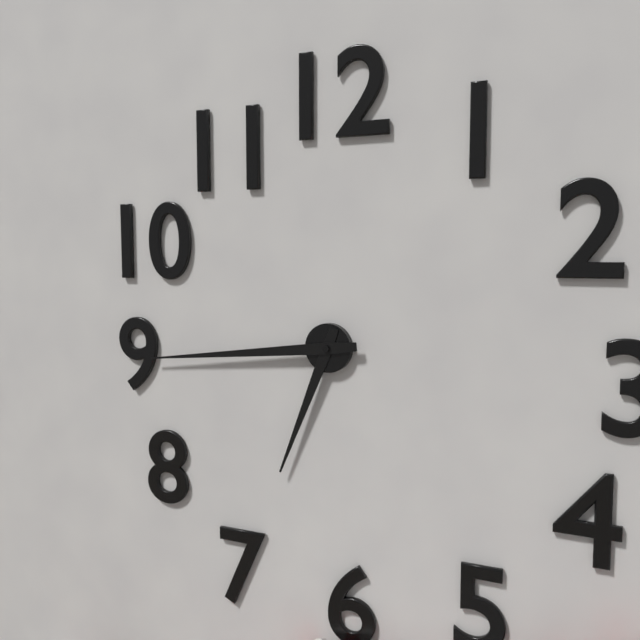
{"hour": 6, "minute": 44}
